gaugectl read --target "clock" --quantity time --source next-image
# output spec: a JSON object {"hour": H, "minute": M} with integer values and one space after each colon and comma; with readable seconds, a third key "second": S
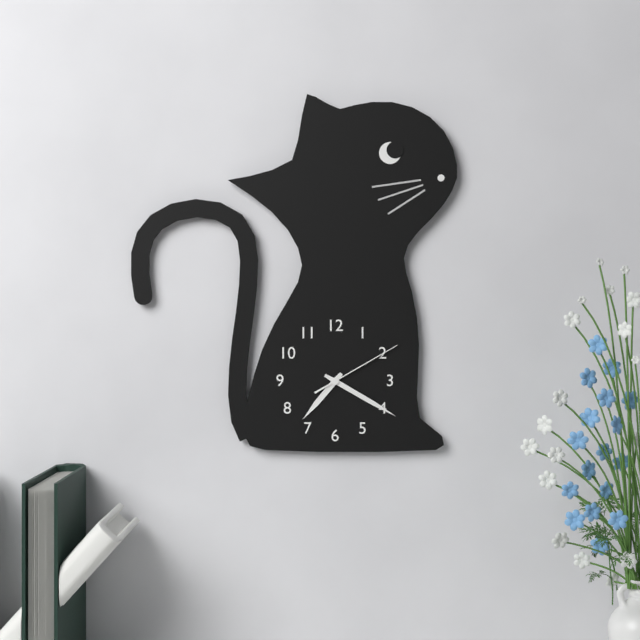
{"hour": 7, "minute": 20, "second": 10}
